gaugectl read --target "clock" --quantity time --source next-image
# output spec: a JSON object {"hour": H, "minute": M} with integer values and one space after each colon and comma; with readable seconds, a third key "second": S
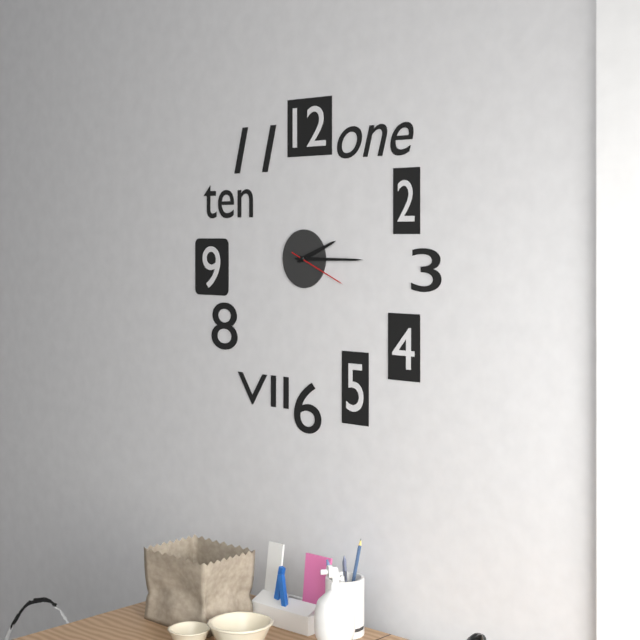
{"hour": 2, "minute": 15, "second": 19}
